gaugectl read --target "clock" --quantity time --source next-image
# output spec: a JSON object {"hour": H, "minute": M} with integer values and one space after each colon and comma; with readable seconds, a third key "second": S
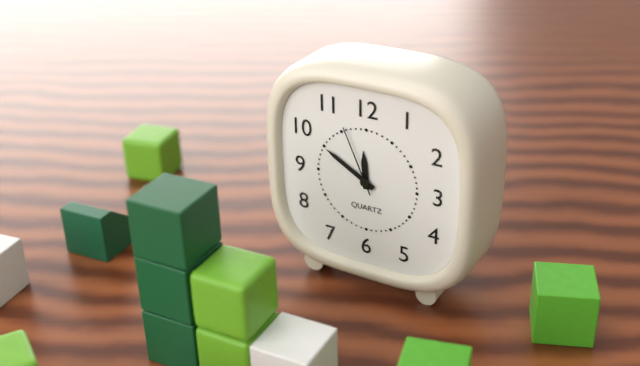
{"hour": 11, "minute": 50, "second": 56}
